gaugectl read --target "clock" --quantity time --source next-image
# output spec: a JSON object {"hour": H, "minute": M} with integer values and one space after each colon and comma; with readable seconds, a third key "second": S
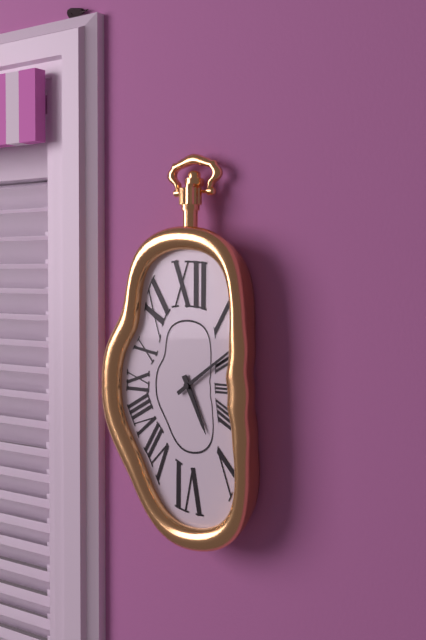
{"hour": 5, "minute": 9}
